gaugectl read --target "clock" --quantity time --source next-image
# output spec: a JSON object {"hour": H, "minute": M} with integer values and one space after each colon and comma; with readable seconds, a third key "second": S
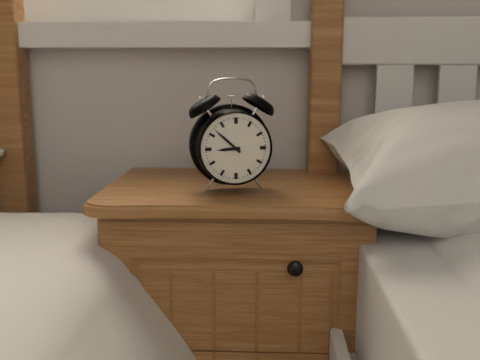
{"hour": 8, "minute": 52}
